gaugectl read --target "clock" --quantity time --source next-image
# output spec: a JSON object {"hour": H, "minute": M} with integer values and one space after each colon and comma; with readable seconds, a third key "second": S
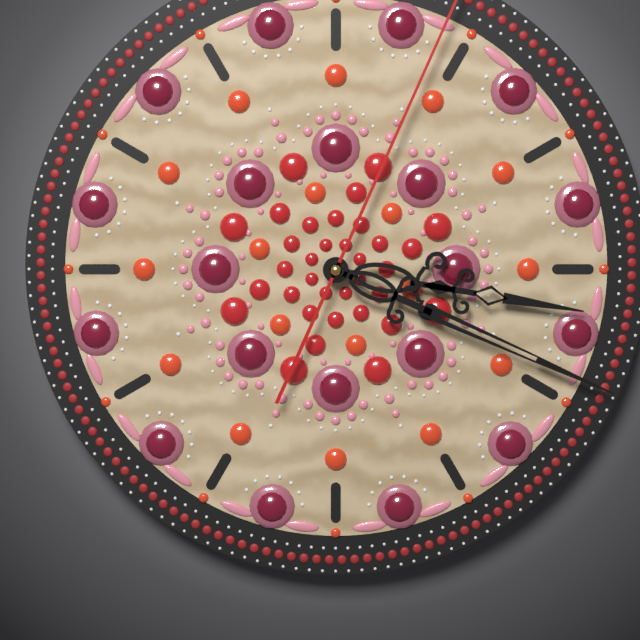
{"hour": 3, "minute": 19}
